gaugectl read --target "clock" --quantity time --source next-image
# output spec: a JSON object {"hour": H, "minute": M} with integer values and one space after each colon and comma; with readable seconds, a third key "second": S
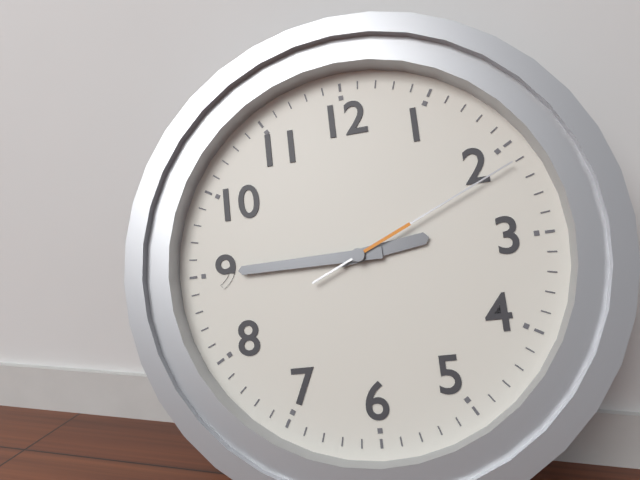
{"hour": 2, "minute": 45, "second": 11}
